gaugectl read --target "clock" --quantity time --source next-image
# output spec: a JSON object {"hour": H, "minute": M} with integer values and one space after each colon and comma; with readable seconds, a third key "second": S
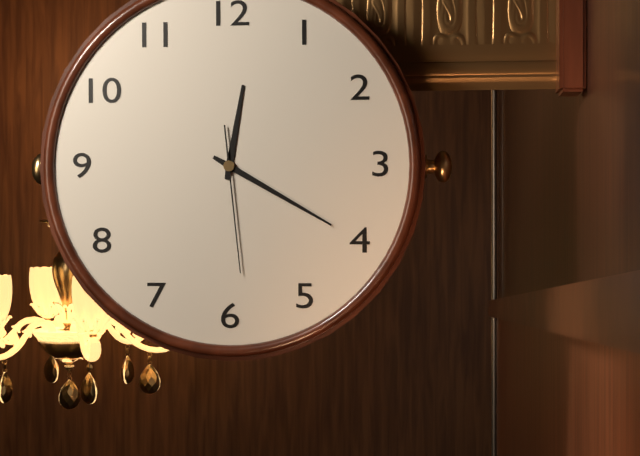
{"hour": 12, "minute": 20, "second": 29}
